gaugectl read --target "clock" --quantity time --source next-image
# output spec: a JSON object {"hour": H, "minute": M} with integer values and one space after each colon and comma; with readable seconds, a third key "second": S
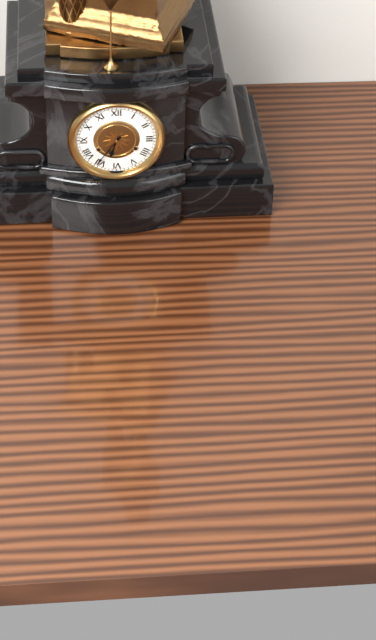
{"hour": 6, "minute": 36}
